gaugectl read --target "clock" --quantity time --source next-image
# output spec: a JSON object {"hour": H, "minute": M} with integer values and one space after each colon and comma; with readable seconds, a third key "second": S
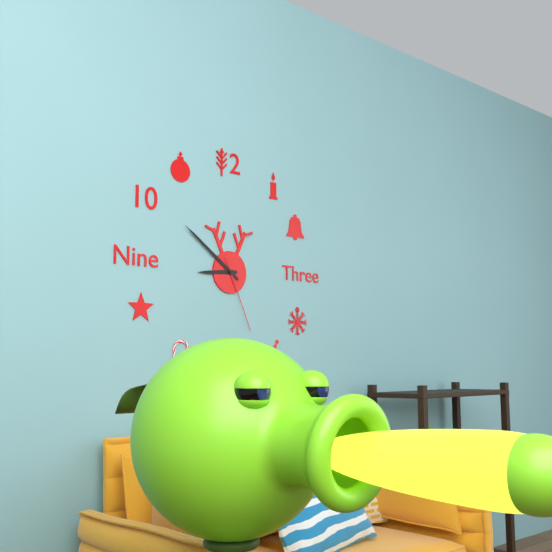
{"hour": 8, "minute": 51, "second": 26}
